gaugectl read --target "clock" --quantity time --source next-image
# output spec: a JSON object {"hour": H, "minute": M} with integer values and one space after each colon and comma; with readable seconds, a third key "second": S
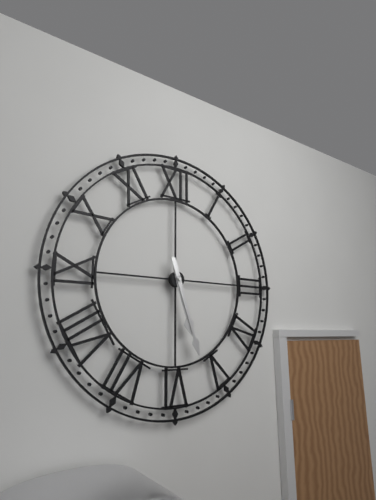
{"hour": 5, "minute": 27}
